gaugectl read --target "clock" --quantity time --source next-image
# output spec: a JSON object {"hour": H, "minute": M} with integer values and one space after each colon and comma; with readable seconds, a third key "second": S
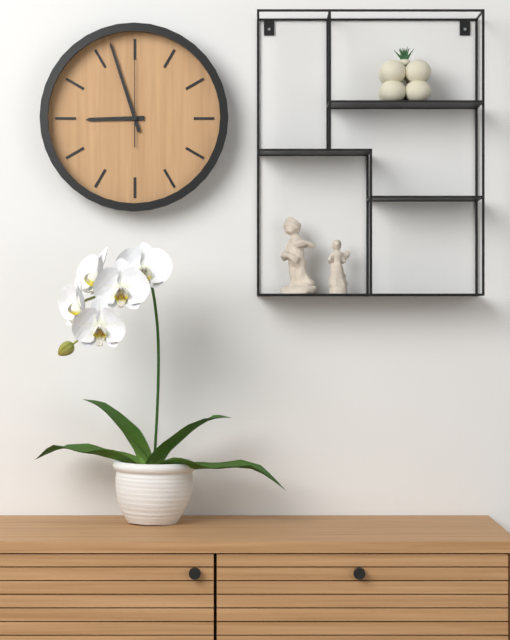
{"hour": 8, "minute": 57, "second": 0}
